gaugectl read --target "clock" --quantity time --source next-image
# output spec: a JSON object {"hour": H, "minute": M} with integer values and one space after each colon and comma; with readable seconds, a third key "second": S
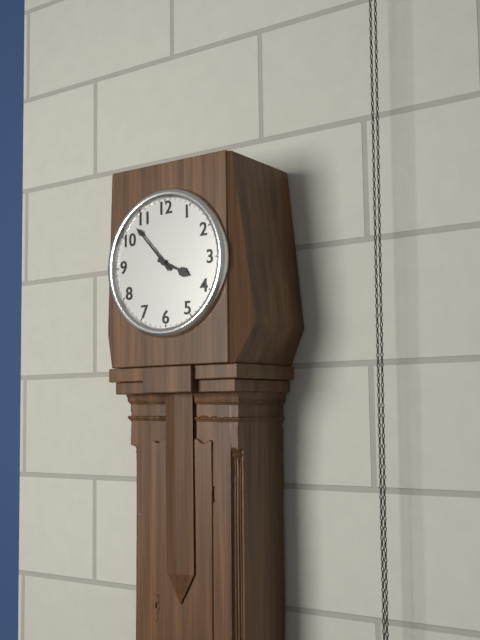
{"hour": 3, "minute": 53}
